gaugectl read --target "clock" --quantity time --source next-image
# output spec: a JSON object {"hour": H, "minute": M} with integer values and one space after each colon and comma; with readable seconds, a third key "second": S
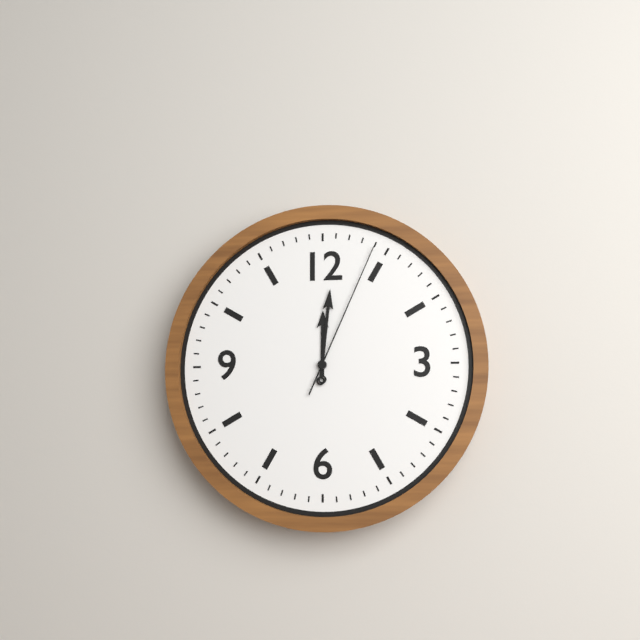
{"hour": 12, "minute": 1, "second": 4}
